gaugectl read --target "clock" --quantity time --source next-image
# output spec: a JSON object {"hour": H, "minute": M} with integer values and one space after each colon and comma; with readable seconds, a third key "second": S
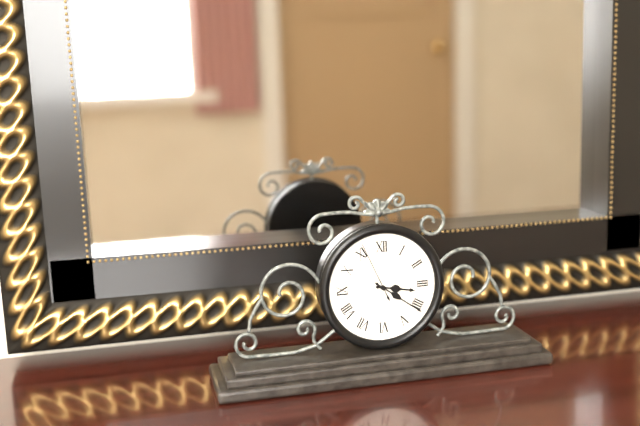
{"hour": 3, "minute": 21, "second": 56}
